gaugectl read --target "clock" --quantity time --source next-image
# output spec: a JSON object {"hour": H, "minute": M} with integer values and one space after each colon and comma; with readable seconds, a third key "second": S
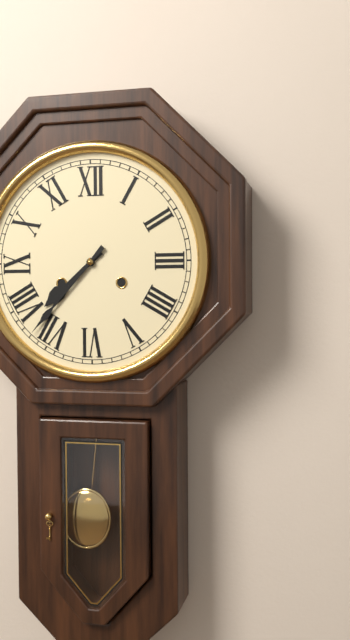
{"hour": 7, "minute": 37}
